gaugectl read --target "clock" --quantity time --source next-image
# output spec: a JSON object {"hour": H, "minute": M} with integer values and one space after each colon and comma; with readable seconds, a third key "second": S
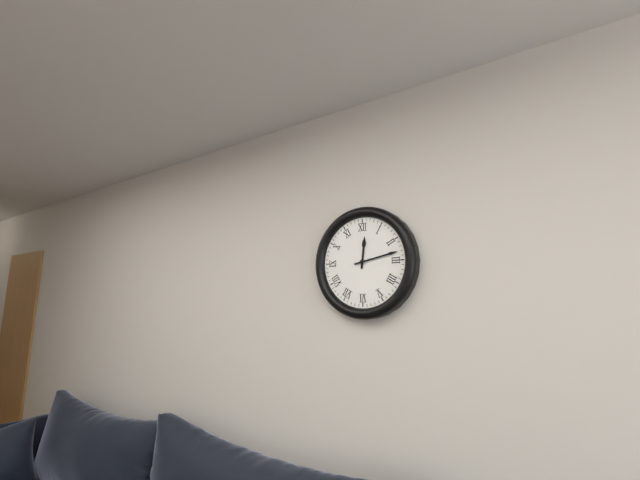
{"hour": 12, "minute": 13}
